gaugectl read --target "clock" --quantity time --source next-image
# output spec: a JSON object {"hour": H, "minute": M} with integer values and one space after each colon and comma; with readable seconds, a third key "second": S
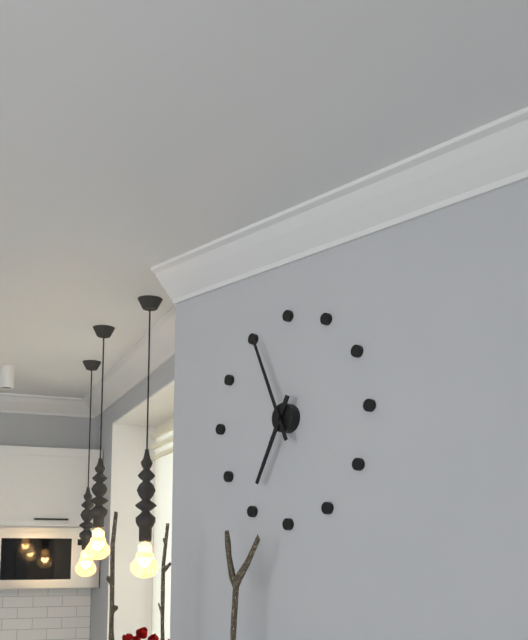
{"hour": 6, "minute": 56}
